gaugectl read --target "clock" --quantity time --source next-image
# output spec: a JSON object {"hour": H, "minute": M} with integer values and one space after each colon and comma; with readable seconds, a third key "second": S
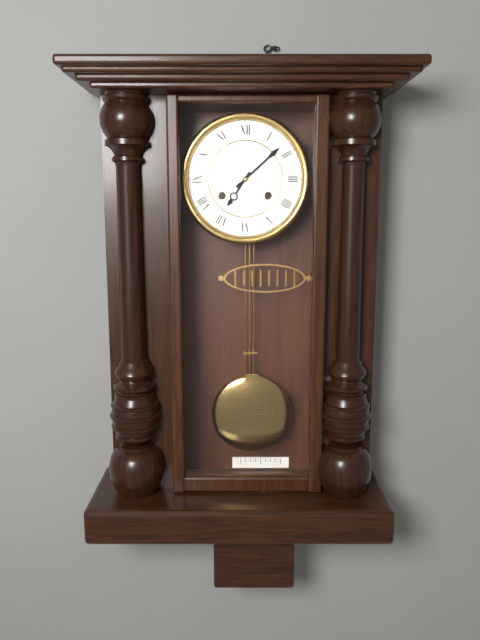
{"hour": 7, "minute": 8}
